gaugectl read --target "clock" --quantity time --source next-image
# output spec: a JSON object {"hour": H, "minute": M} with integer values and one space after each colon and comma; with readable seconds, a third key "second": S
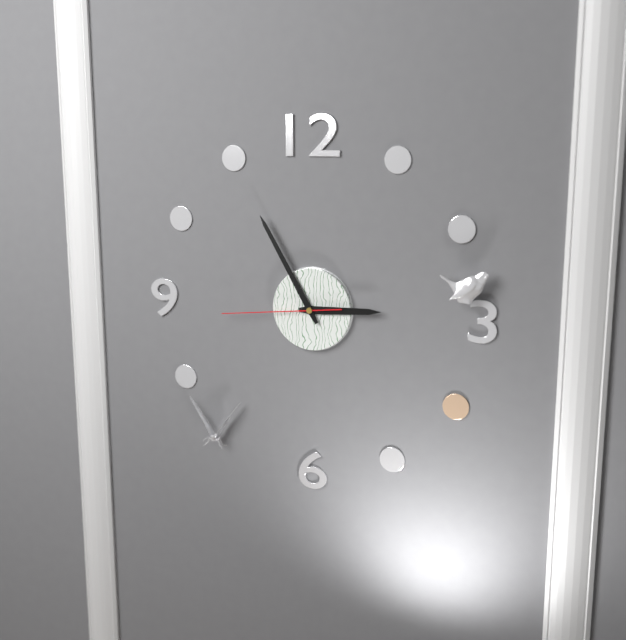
{"hour": 2, "minute": 55, "second": 44}
